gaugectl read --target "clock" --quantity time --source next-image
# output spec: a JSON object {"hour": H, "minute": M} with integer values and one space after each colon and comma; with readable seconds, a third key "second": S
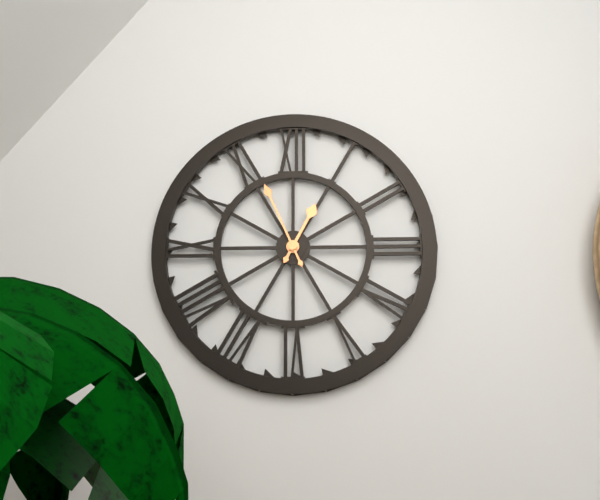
{"hour": 12, "minute": 56}
